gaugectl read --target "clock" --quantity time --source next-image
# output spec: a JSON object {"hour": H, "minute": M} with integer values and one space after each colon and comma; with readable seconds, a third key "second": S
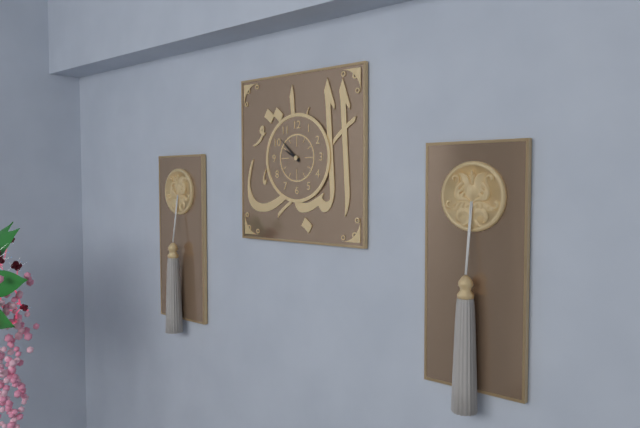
{"hour": 9, "minute": 52}
